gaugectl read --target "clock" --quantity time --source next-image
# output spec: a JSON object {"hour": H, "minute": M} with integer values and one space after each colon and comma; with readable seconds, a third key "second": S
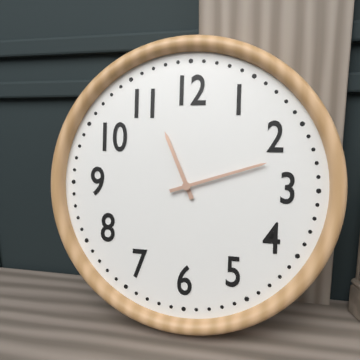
{"hour": 11, "minute": 12}
